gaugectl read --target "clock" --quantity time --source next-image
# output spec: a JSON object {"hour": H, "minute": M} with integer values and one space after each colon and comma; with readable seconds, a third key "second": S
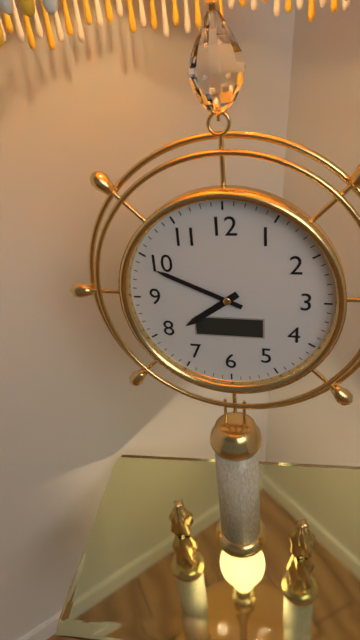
{"hour": 7, "minute": 49}
